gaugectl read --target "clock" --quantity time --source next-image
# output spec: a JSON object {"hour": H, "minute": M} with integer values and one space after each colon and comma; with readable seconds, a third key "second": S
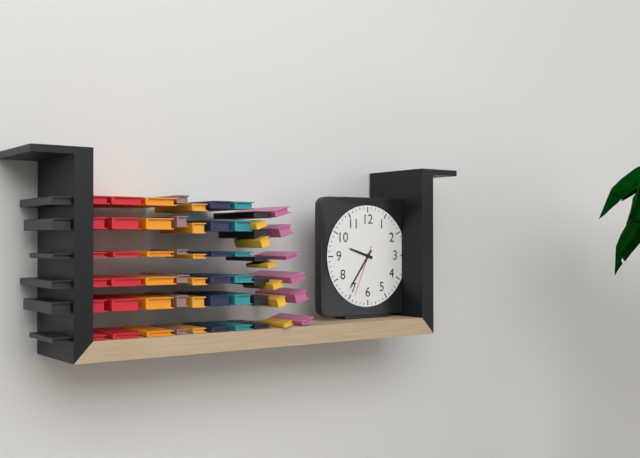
{"hour": 9, "minute": 36, "second": 34}
